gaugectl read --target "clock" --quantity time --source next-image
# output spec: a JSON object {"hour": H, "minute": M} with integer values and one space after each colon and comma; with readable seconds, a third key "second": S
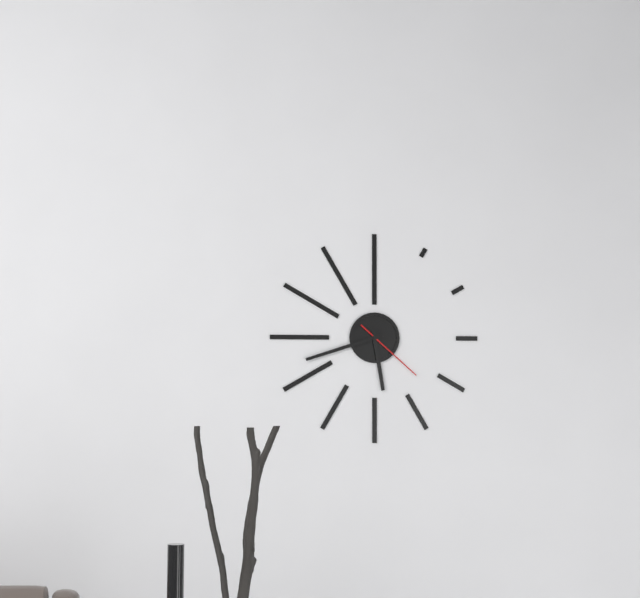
{"hour": 5, "minute": 42, "second": 22}
